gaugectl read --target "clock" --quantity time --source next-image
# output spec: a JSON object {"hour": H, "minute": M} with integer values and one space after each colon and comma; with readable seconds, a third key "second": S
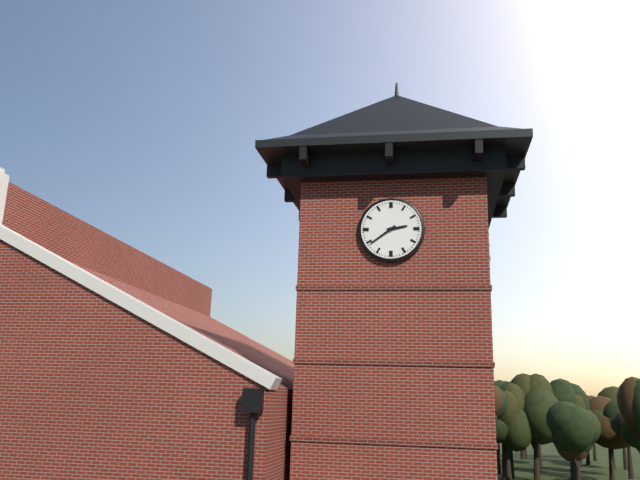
{"hour": 2, "minute": 39}
